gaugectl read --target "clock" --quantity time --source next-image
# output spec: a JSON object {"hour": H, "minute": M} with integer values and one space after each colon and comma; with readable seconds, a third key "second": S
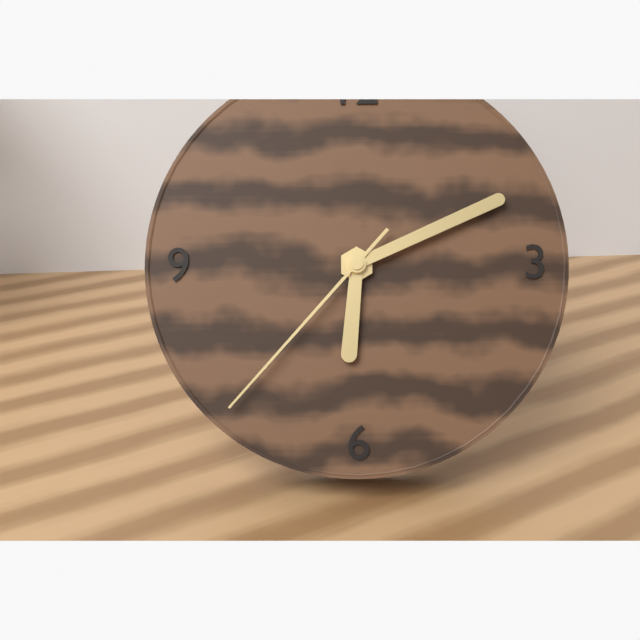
{"hour": 6, "minute": 11, "second": 37}
